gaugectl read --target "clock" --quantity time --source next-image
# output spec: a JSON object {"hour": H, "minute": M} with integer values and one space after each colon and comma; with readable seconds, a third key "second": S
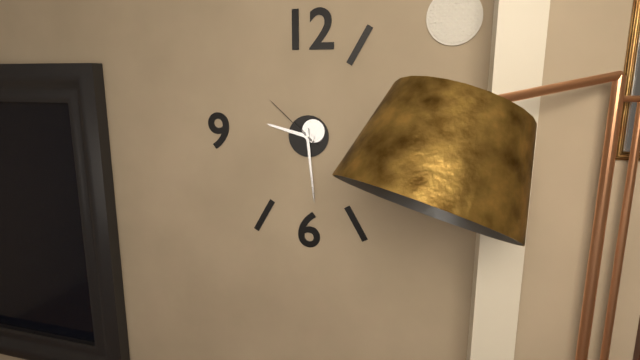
{"hour": 9, "minute": 29, "second": 52}
